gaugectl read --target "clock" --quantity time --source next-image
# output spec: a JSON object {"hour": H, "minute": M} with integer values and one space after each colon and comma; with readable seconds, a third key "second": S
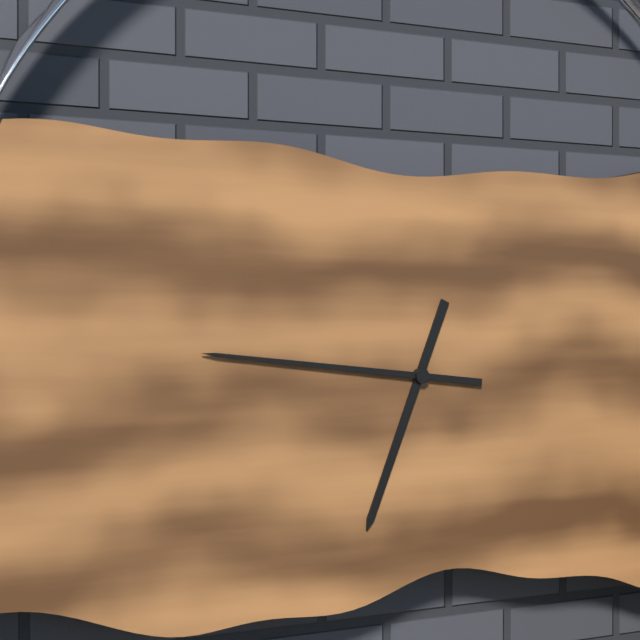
{"hour": 6, "minute": 46}
